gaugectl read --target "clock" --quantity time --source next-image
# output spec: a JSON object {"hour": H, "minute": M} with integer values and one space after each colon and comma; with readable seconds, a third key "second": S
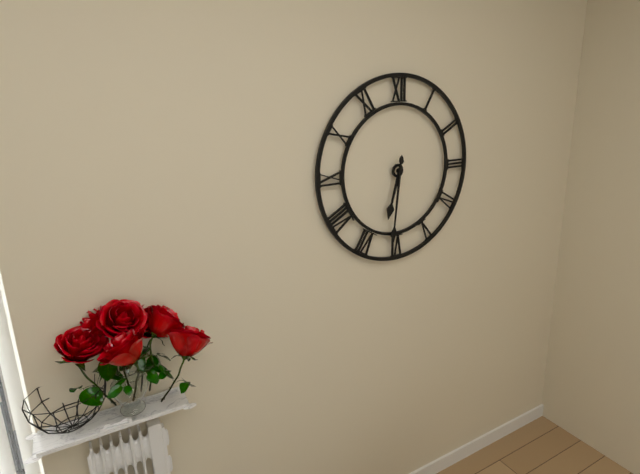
{"hour": 6, "minute": 31}
